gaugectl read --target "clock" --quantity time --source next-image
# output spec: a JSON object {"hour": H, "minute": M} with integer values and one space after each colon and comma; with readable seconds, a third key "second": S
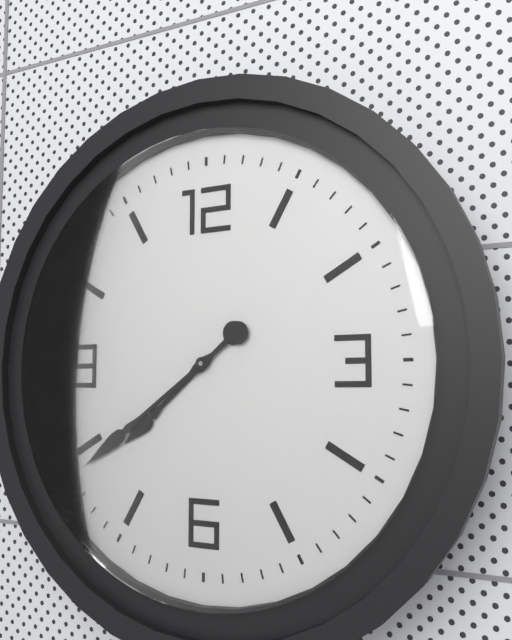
{"hour": 7, "minute": 39}
